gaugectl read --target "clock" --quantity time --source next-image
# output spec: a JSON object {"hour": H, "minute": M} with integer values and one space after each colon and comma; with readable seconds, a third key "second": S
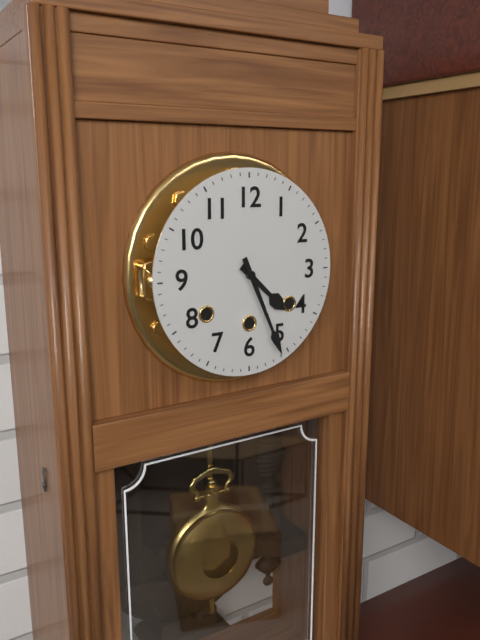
{"hour": 4, "minute": 26}
